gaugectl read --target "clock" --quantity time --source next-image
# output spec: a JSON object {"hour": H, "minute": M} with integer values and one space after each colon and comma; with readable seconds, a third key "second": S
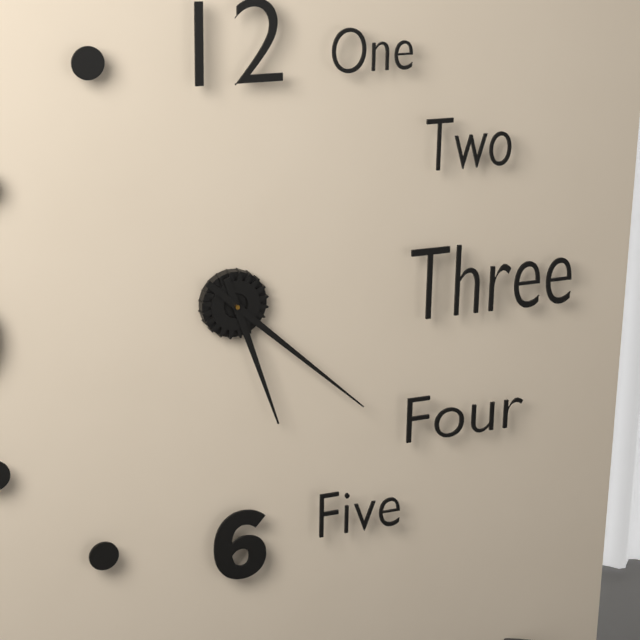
{"hour": 5, "minute": 22}
